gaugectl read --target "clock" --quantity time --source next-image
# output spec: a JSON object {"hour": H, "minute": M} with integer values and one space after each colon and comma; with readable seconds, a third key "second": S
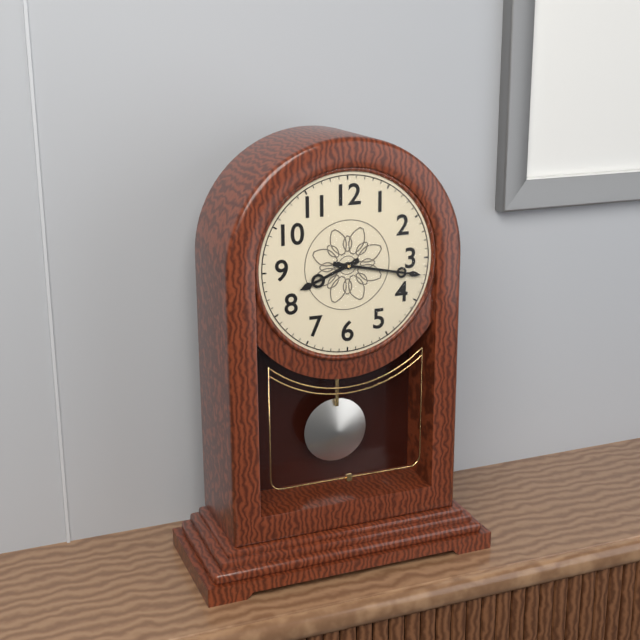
{"hour": 8, "minute": 17}
